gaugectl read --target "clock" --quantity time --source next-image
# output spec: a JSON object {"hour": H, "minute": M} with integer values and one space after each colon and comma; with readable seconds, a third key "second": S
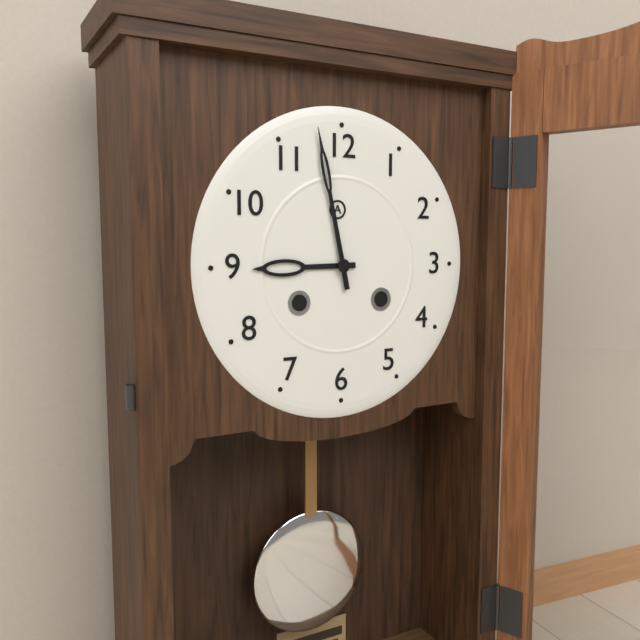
{"hour": 8, "minute": 58}
